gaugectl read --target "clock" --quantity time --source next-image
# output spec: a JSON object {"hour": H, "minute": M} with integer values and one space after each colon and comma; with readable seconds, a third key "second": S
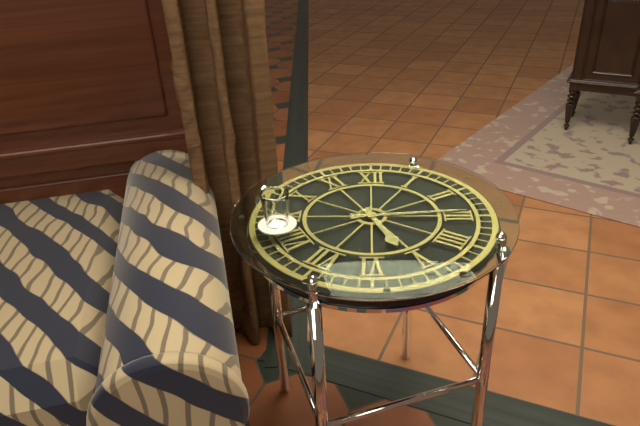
{"hour": 5, "minute": 14}
